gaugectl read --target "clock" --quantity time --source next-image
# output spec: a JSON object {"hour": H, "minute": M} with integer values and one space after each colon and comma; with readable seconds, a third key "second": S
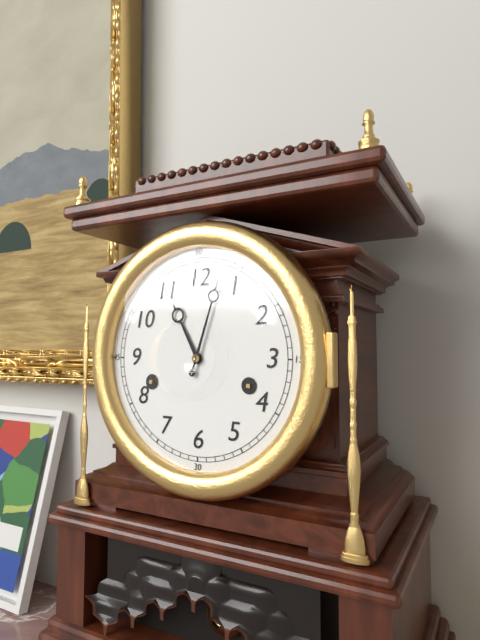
{"hour": 11, "minute": 3}
